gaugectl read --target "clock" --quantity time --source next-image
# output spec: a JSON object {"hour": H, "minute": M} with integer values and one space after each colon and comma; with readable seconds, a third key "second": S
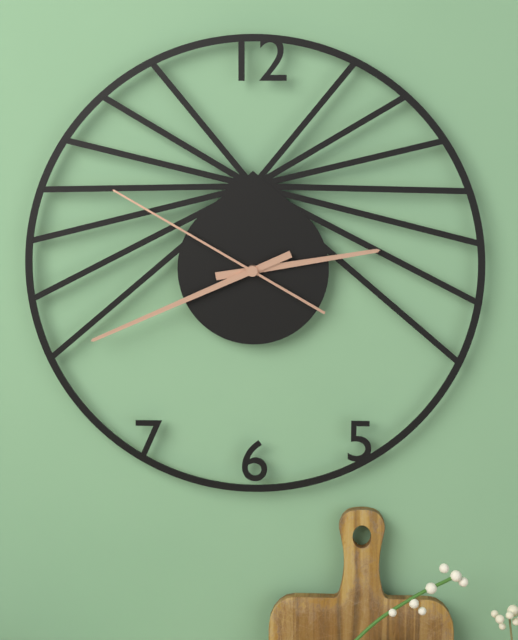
{"hour": 2, "minute": 41, "second": 50}
